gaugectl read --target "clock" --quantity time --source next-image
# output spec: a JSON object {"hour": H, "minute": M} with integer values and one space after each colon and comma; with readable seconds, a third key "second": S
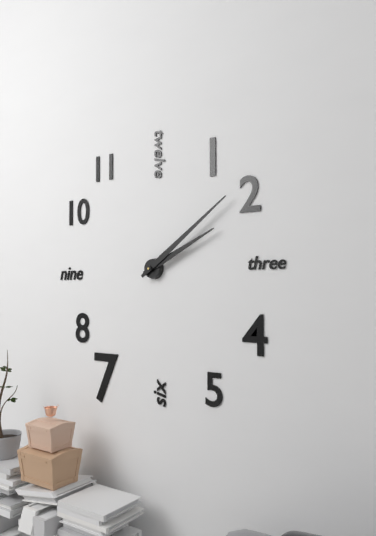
{"hour": 2, "minute": 9}
